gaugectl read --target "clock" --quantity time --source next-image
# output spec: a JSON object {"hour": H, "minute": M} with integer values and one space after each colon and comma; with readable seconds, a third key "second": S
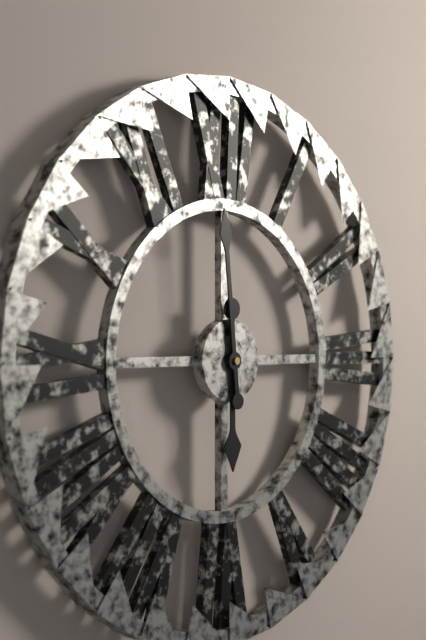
{"hour": 5, "minute": 59}
